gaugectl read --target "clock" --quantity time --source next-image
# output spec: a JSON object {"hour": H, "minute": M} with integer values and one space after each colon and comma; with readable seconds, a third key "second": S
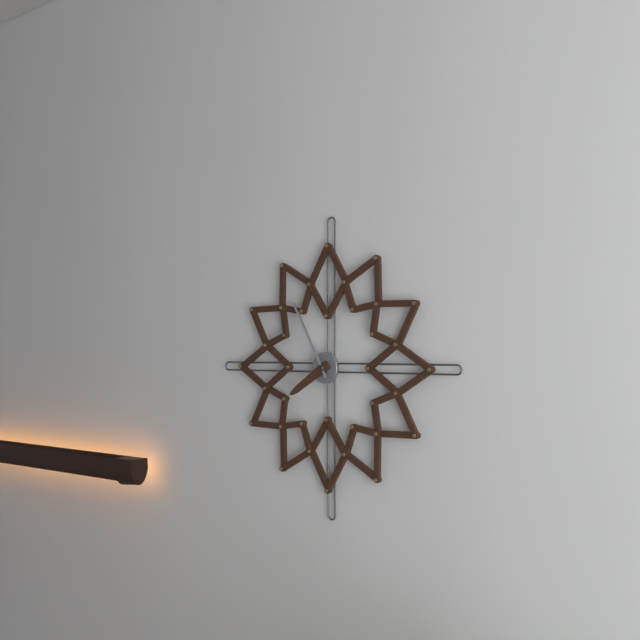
{"hour": 7, "minute": 55}
